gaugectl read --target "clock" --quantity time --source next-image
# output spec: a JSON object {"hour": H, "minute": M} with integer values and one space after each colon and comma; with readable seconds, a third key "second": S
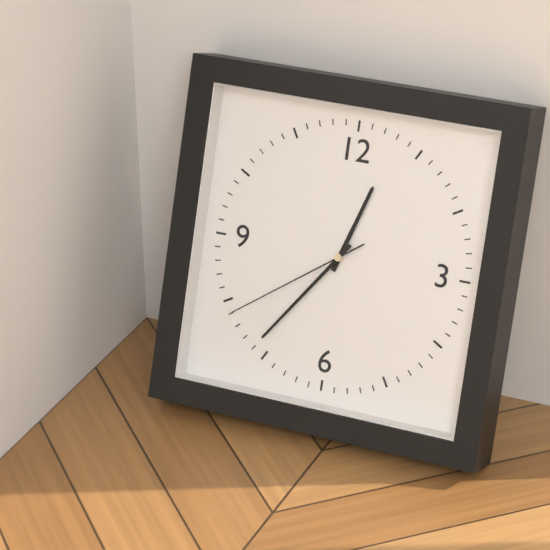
{"hour": 12, "minute": 36, "second": 39}
